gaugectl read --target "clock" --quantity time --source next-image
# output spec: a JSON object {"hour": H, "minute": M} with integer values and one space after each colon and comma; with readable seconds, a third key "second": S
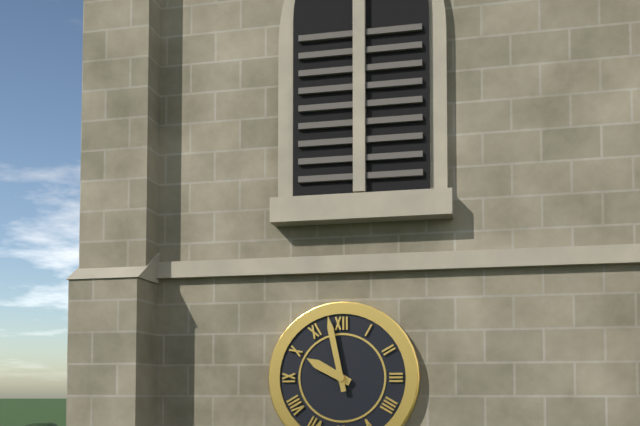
{"hour": 9, "minute": 58}
